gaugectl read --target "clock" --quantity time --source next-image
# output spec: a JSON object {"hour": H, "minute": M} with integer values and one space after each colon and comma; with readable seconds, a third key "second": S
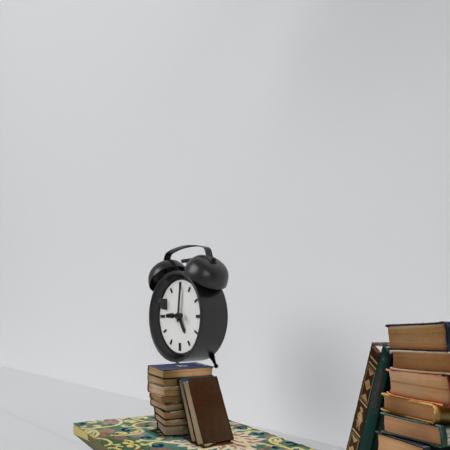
{"hour": 5, "minute": 1}
